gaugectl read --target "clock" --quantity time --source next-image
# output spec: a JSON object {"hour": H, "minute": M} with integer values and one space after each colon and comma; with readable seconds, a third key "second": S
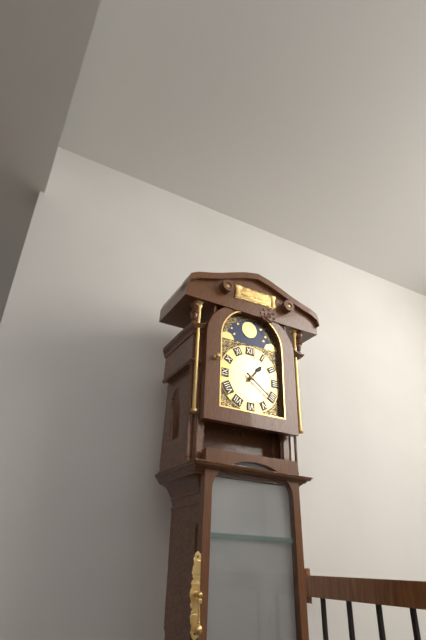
{"hour": 1, "minute": 21}
